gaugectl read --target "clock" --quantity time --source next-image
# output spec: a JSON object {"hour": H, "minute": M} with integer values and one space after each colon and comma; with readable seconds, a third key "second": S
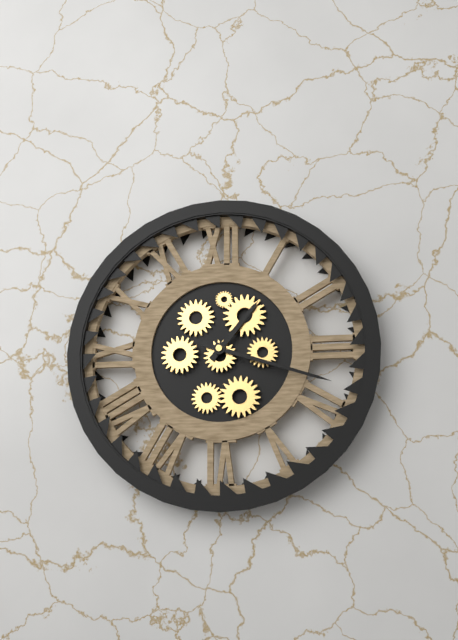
{"hour": 1, "minute": 18}
